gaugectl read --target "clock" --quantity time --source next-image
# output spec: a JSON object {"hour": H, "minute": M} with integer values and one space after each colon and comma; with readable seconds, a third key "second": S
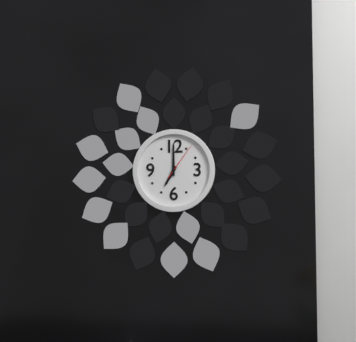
{"hour": 7, "minute": 0}
